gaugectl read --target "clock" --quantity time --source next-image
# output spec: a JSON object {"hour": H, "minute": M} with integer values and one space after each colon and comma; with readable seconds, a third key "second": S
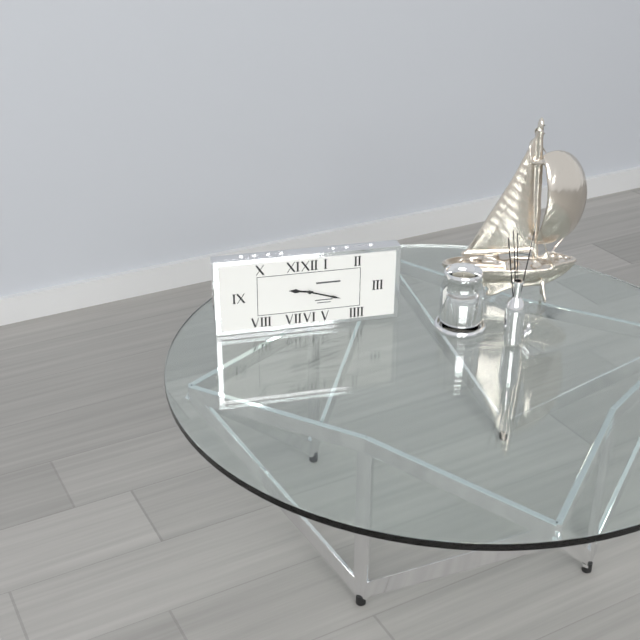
{"hour": 9, "minute": 18}
